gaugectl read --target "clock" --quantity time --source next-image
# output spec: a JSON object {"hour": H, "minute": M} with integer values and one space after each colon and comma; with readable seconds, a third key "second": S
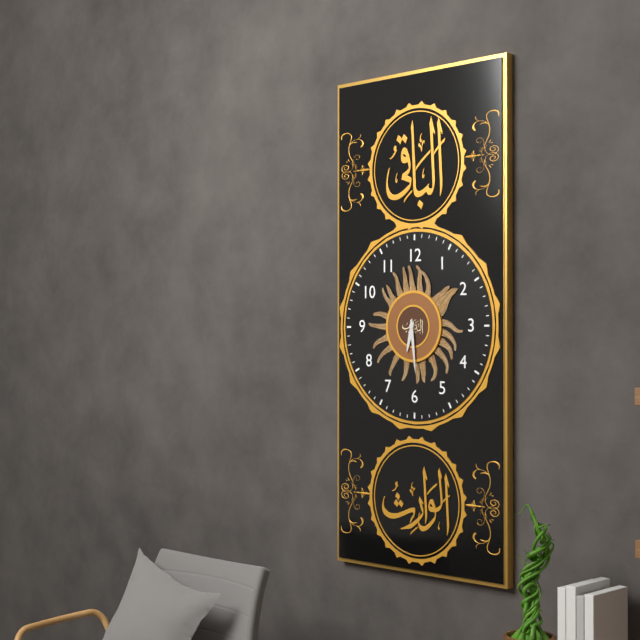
{"hour": 6, "minute": 29}
